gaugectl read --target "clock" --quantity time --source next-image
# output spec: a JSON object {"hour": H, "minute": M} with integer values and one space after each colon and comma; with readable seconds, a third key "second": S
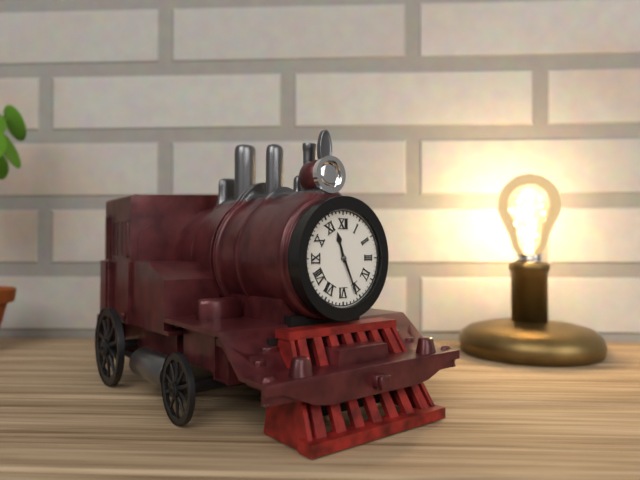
{"hour": 11, "minute": 26}
